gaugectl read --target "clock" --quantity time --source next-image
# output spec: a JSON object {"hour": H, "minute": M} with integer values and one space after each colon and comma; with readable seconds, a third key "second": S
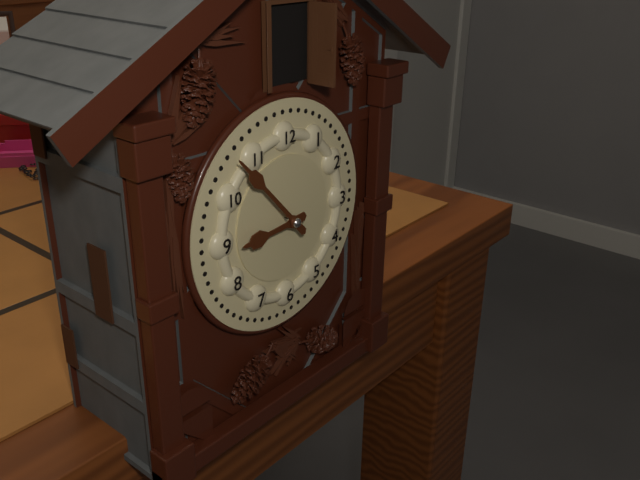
{"hour": 8, "minute": 53}
